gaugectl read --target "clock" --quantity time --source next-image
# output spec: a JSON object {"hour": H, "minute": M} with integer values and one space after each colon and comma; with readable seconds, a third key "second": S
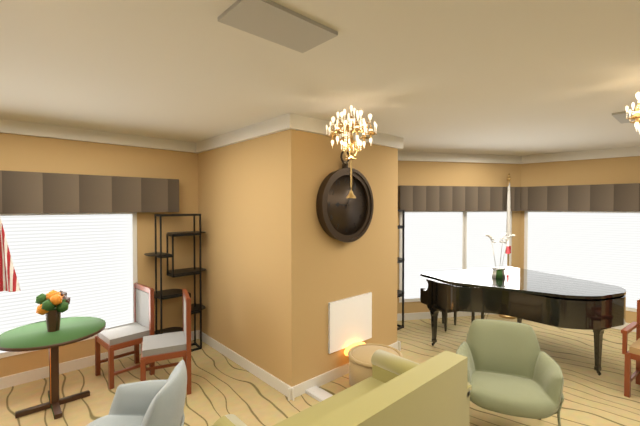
{"hour": 9, "minute": 5}
